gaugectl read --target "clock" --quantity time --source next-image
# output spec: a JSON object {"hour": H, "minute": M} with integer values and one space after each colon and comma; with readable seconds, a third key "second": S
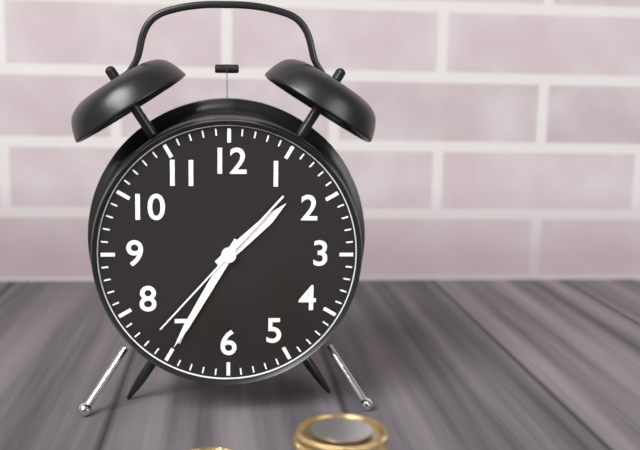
{"hour": 1, "minute": 35, "second": 37}
